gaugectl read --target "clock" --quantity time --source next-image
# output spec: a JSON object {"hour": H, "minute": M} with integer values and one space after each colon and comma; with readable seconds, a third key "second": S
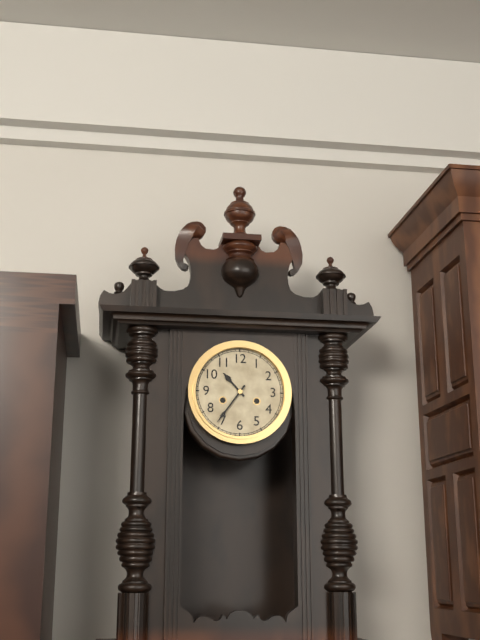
{"hour": 10, "minute": 36}
